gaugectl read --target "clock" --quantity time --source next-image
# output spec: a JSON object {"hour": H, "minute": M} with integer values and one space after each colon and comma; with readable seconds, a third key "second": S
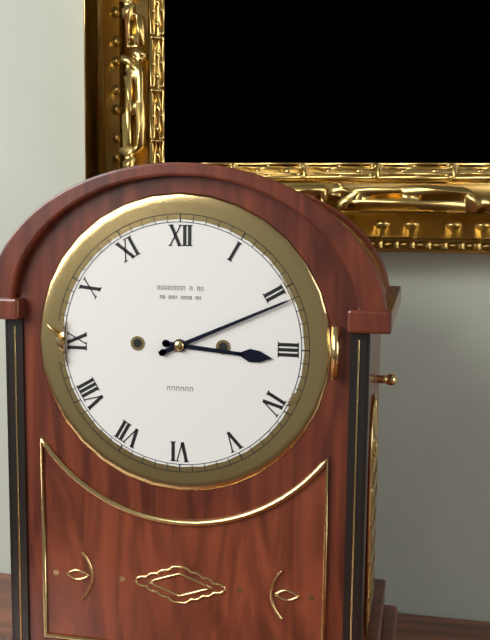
{"hour": 3, "minute": 11}
